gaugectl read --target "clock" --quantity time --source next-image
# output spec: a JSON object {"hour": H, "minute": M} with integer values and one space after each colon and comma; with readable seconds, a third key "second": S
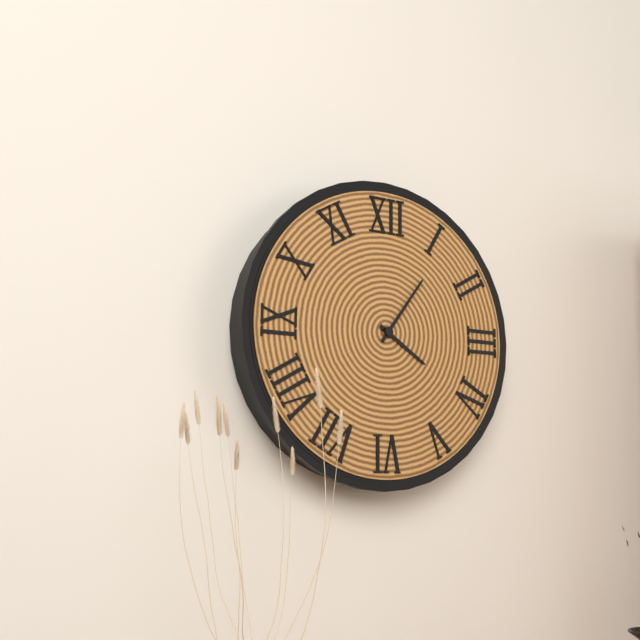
{"hour": 4, "minute": 6}
